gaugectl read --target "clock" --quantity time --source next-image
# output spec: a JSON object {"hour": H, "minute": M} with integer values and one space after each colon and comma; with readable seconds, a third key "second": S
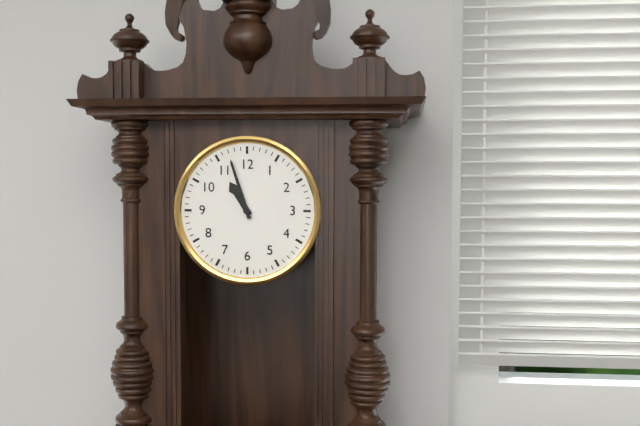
{"hour": 10, "minute": 57}
